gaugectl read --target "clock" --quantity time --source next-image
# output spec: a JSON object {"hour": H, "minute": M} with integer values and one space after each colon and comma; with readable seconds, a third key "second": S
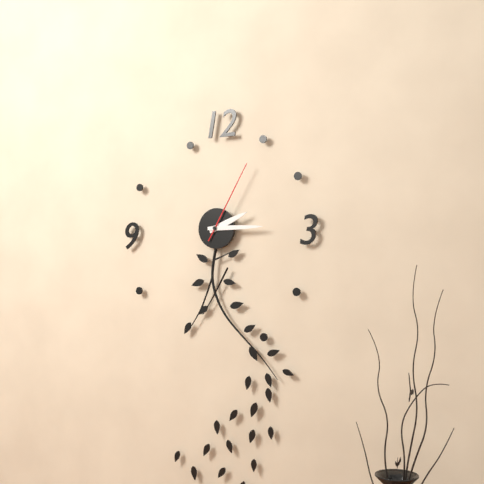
{"hour": 2, "minute": 15, "second": 5}
